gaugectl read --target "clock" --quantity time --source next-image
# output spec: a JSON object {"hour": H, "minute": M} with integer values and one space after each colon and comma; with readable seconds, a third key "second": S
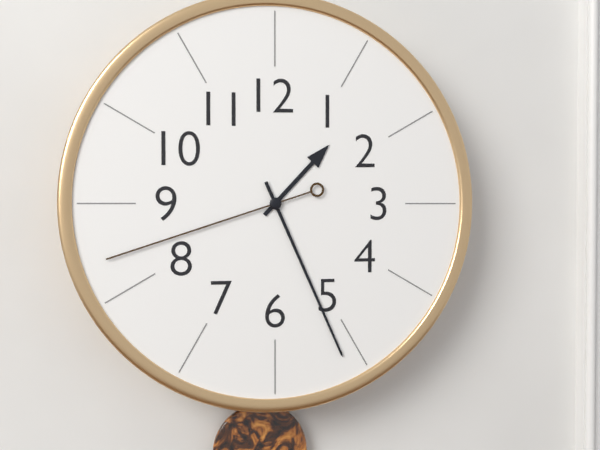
{"hour": 1, "minute": 26, "second": 42}
